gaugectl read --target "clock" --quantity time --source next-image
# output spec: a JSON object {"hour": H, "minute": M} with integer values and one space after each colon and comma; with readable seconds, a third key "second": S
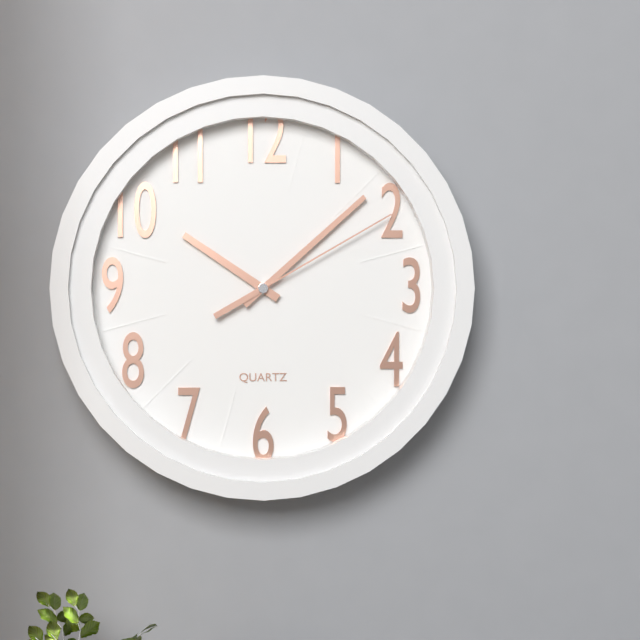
{"hour": 10, "minute": 8, "second": 10}
